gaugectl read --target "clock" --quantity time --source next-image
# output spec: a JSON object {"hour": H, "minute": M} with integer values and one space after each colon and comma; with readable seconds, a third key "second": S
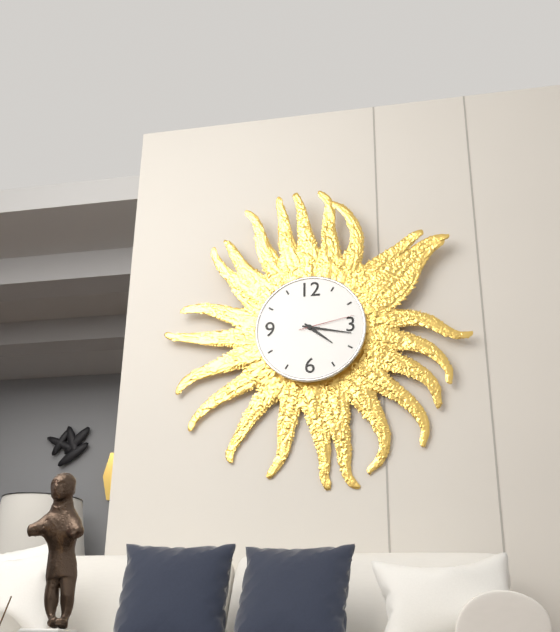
{"hour": 4, "minute": 17, "second": 13}
